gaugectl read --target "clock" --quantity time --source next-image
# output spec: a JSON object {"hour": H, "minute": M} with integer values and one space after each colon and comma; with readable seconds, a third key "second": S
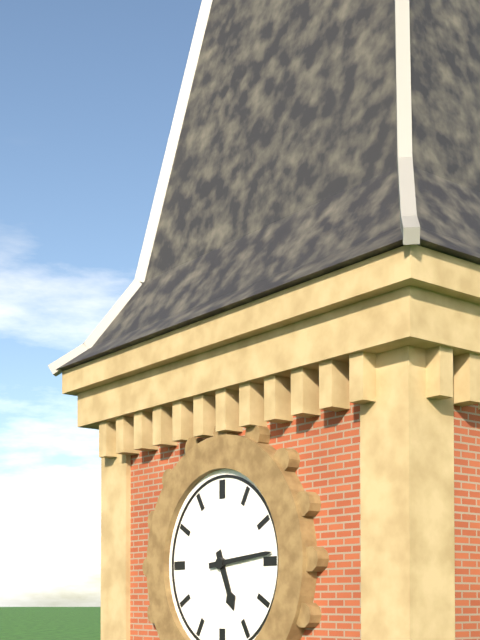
{"hour": 5, "minute": 14}
